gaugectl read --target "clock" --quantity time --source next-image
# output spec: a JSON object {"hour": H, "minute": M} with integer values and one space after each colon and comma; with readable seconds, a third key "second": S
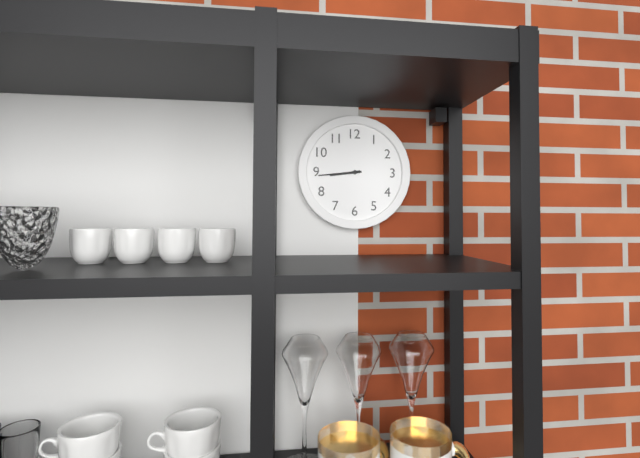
{"hour": 8, "minute": 44}
